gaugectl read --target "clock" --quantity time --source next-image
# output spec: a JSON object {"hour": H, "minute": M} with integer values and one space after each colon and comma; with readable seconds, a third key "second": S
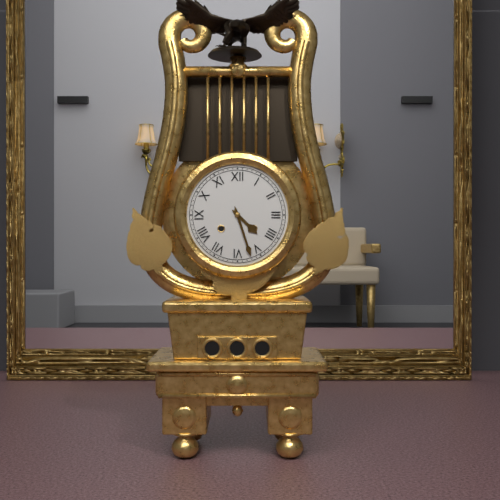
{"hour": 4, "minute": 27}
